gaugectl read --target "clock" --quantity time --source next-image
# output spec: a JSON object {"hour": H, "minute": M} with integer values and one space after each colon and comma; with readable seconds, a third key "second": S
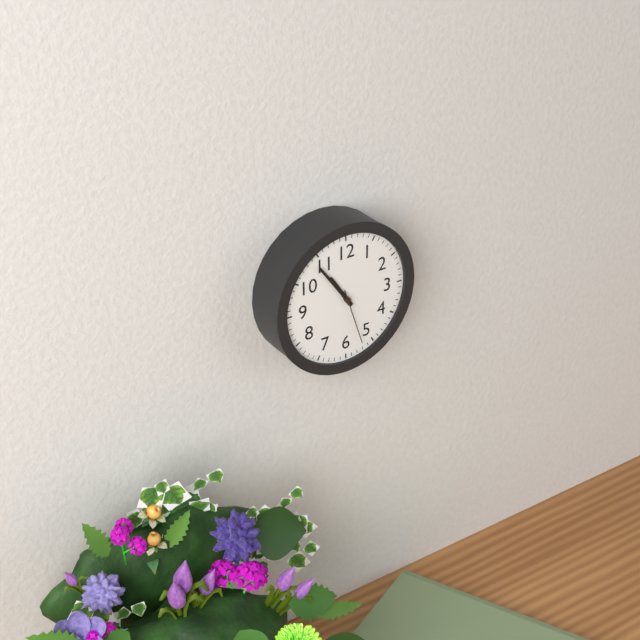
{"hour": 10, "minute": 54, "second": 27}
